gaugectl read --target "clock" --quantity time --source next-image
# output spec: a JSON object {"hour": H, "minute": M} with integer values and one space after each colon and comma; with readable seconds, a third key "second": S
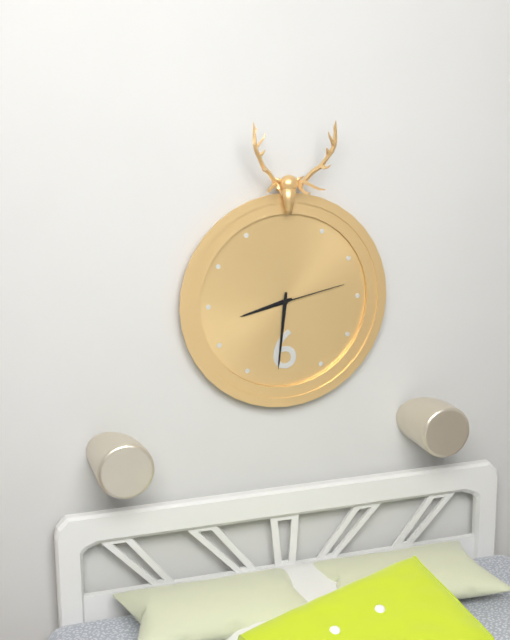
{"hour": 8, "minute": 31, "second": 13}
